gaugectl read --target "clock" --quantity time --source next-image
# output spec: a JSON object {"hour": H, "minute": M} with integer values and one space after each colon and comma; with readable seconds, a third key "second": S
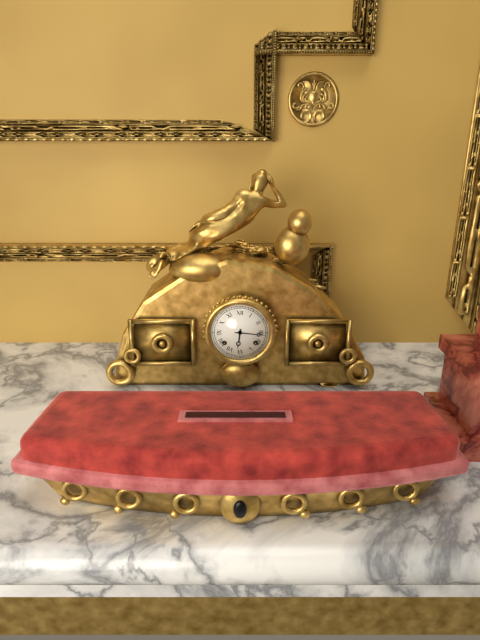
{"hour": 6, "minute": 16}
